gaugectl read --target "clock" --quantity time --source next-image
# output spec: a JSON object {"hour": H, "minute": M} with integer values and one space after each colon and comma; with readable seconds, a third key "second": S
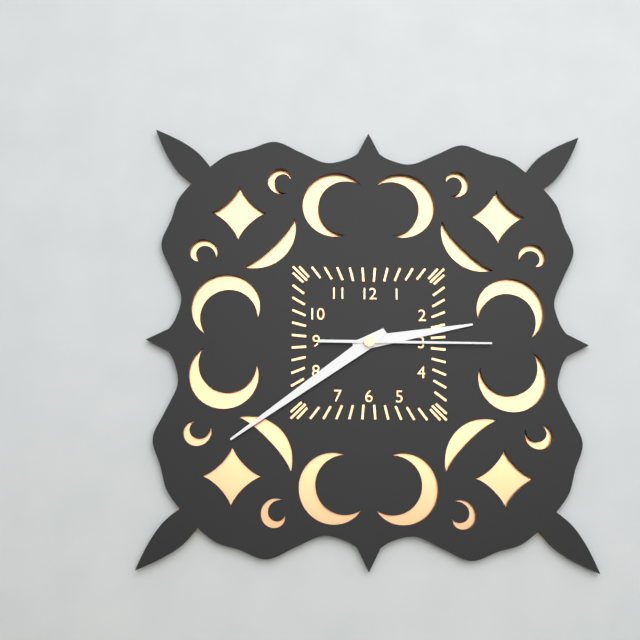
{"hour": 2, "minute": 39, "second": 15}
